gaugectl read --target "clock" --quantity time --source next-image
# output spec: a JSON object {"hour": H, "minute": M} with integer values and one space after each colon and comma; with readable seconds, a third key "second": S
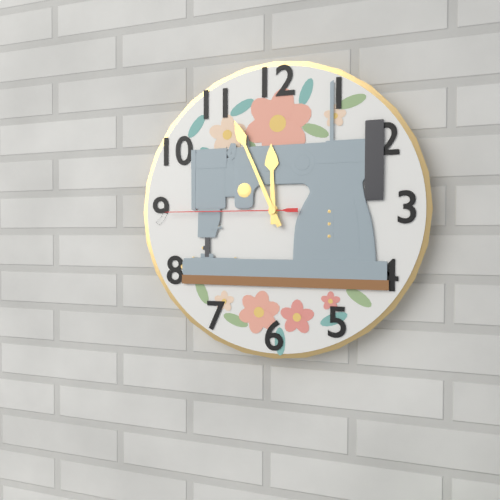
{"hour": 11, "minute": 56, "second": 45}
